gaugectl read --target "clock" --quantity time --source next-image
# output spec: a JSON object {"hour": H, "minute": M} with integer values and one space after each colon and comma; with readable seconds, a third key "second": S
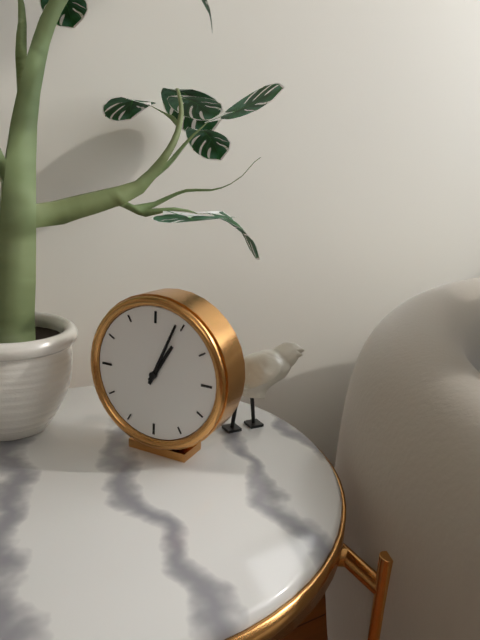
{"hour": 1, "minute": 4}
